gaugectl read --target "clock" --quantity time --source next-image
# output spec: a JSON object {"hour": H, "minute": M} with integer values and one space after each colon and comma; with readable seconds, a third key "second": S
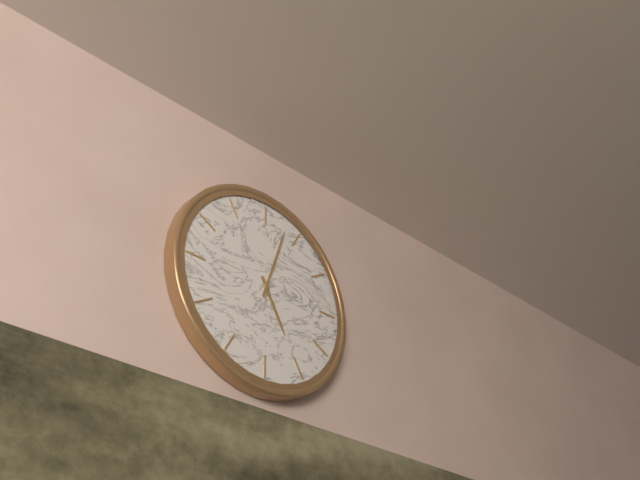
{"hour": 5, "minute": 3}
